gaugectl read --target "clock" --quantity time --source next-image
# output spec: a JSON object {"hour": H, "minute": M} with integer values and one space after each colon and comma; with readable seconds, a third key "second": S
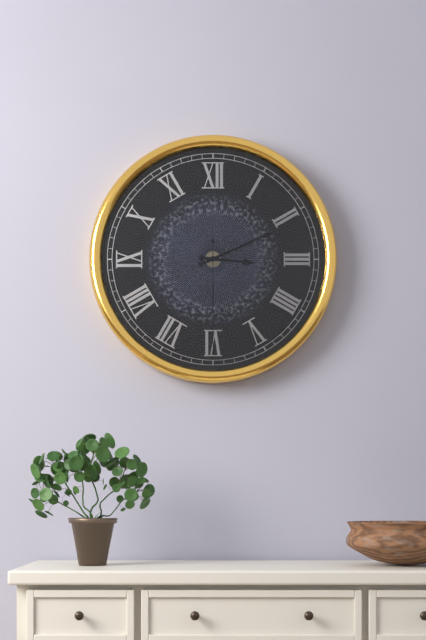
{"hour": 3, "minute": 11, "second": 30}
